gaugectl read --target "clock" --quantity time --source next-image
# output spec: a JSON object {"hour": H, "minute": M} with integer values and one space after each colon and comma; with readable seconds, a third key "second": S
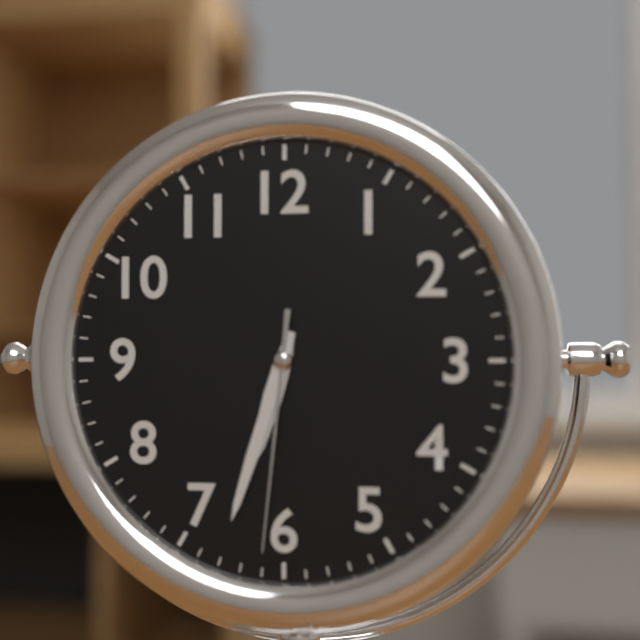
{"hour": 6, "minute": 33, "second": 31}
